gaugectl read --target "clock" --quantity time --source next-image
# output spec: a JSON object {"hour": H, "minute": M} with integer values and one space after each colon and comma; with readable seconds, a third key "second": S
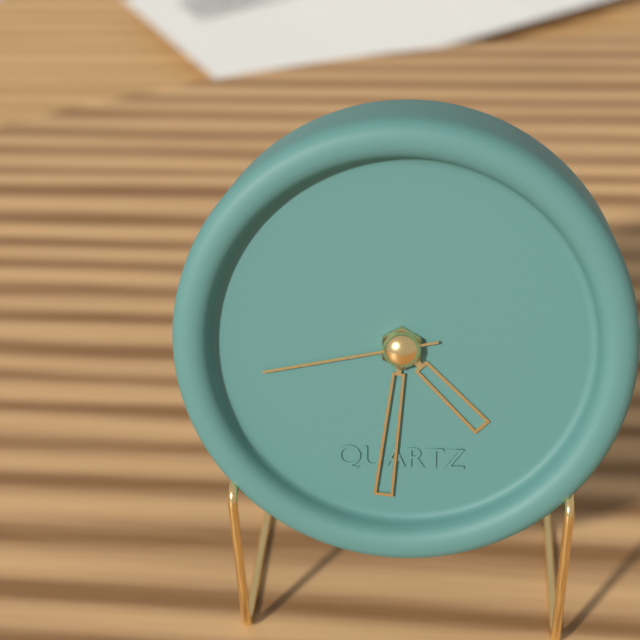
{"hour": 4, "minute": 31, "second": 43}
